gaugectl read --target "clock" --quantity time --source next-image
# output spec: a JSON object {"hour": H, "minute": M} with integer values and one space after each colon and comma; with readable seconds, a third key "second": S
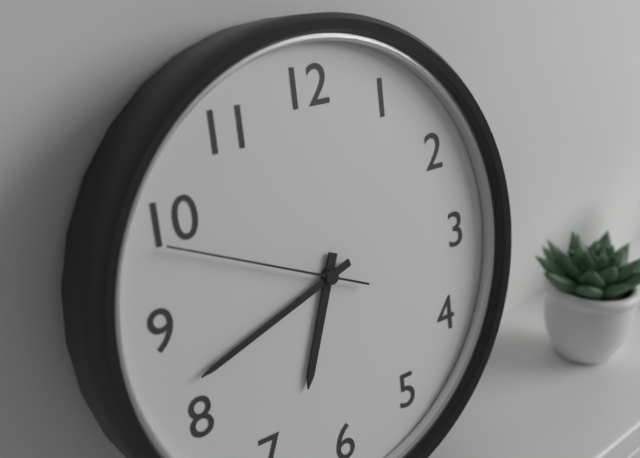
{"hour": 6, "minute": 42, "second": 49}
